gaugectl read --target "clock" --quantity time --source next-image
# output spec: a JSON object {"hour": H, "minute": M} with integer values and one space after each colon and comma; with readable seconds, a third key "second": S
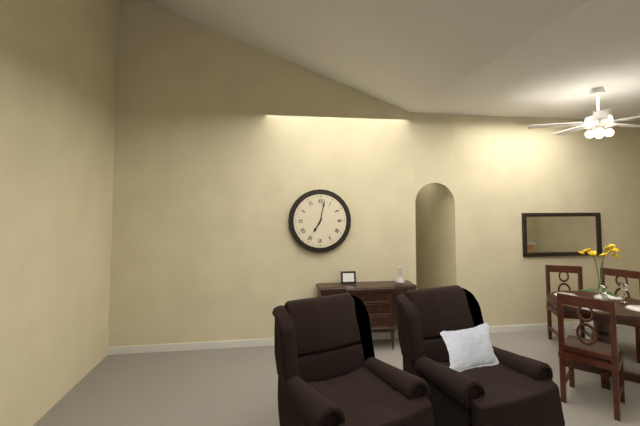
{"hour": 7, "minute": 2}
